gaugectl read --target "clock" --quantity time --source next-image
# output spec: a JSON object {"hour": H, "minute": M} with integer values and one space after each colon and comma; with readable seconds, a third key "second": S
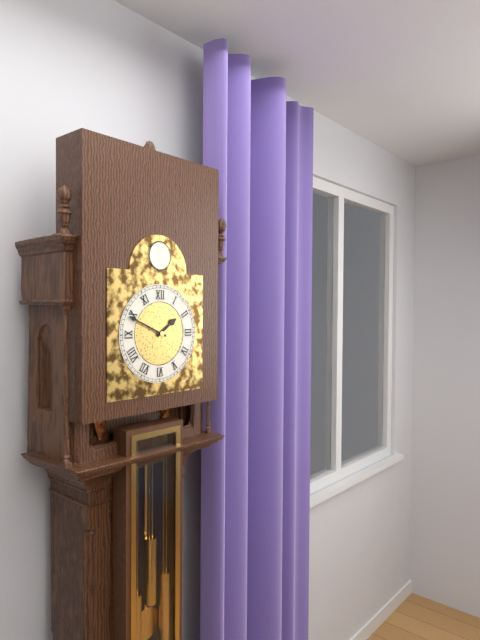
{"hour": 1, "minute": 49}
